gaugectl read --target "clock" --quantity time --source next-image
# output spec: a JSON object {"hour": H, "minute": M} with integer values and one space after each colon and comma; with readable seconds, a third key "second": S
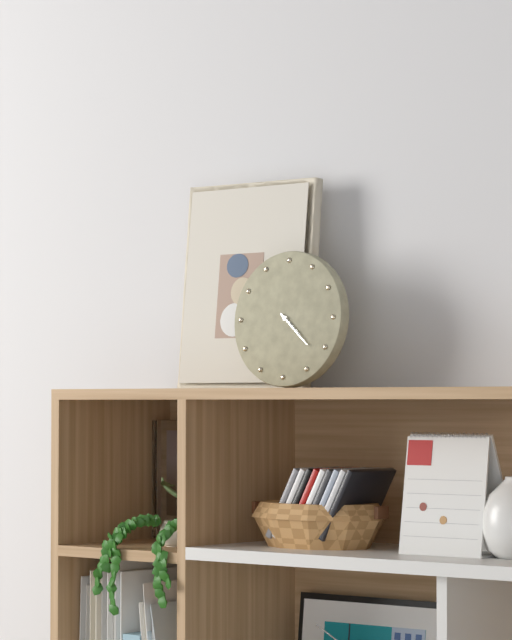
{"hour": 4, "minute": 22}
